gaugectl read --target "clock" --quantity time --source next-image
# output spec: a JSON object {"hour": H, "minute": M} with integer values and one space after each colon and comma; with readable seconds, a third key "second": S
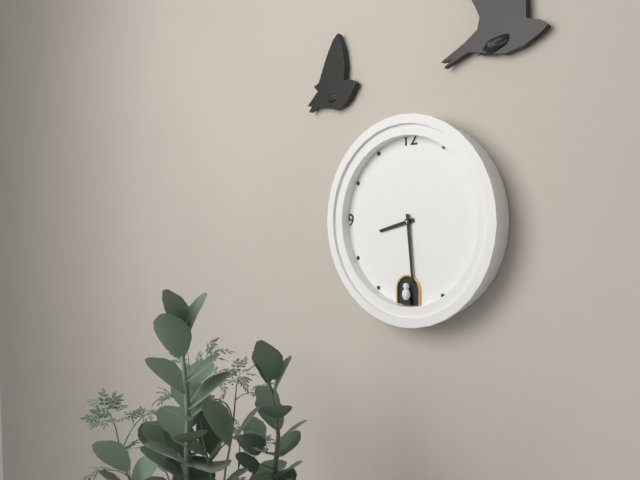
{"hour": 8, "minute": 29}
